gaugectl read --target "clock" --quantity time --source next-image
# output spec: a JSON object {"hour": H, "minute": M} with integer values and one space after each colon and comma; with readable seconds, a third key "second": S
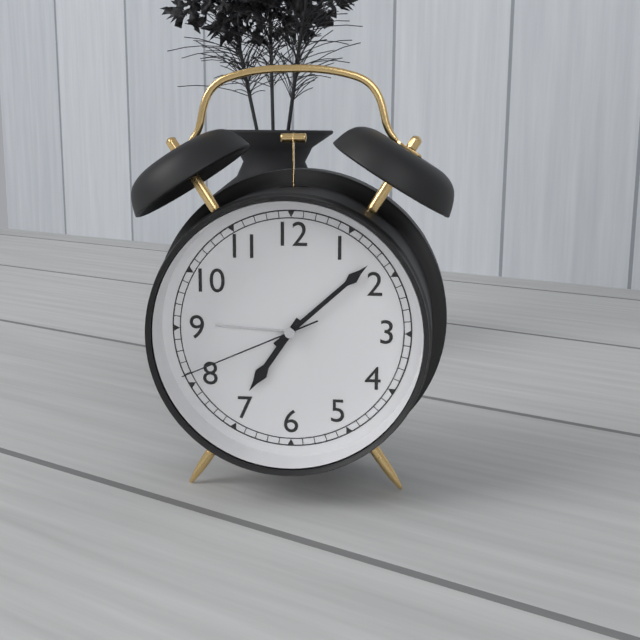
{"hour": 7, "minute": 8, "second": 41}
